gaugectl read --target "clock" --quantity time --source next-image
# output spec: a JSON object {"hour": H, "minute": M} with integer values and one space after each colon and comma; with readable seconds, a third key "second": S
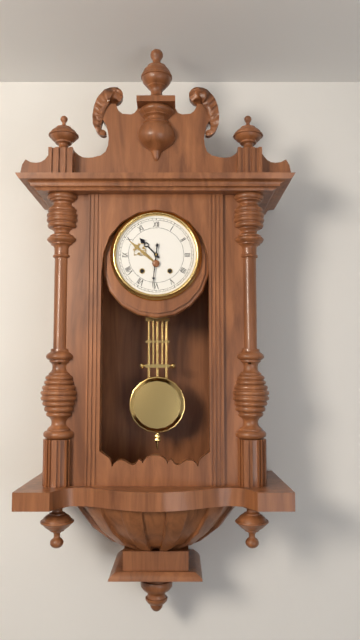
{"hour": 10, "minute": 31}
